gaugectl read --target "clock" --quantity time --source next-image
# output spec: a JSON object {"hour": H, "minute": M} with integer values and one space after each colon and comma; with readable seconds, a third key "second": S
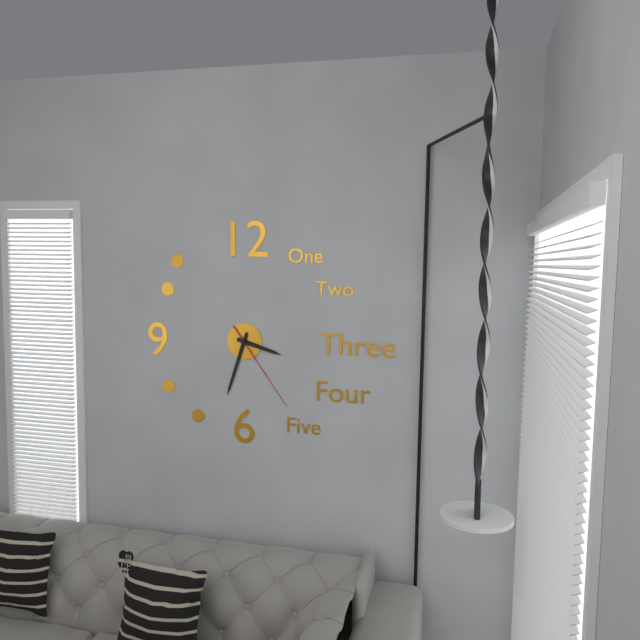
{"hour": 3, "minute": 33, "second": 24}
